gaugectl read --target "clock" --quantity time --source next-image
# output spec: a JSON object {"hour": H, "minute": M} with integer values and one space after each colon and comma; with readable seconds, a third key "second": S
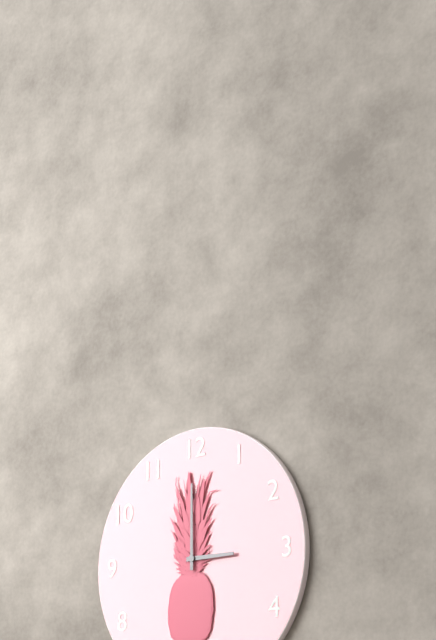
{"hour": 3, "minute": 0}
